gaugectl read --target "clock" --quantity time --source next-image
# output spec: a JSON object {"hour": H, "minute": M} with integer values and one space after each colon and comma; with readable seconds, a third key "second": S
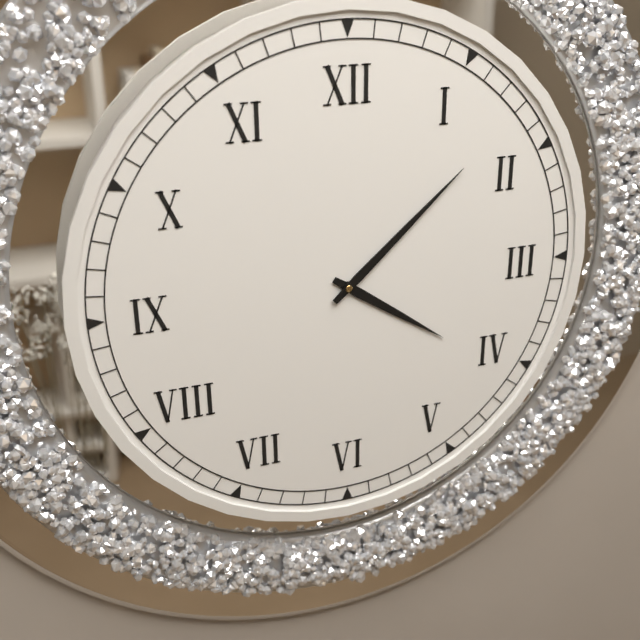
{"hour": 4, "minute": 8}
